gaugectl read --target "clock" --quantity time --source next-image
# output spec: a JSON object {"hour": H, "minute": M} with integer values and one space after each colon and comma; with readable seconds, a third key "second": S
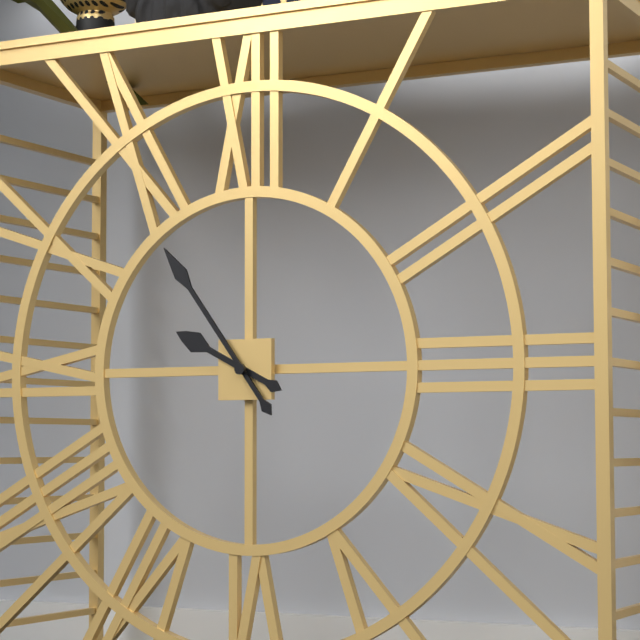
{"hour": 9, "minute": 54}
